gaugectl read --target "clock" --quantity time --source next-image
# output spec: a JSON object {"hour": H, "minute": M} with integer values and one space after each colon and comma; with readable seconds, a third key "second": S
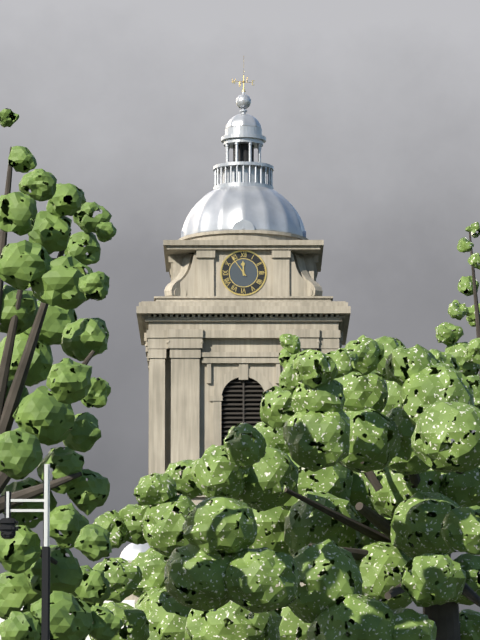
{"hour": 11, "minute": 54}
